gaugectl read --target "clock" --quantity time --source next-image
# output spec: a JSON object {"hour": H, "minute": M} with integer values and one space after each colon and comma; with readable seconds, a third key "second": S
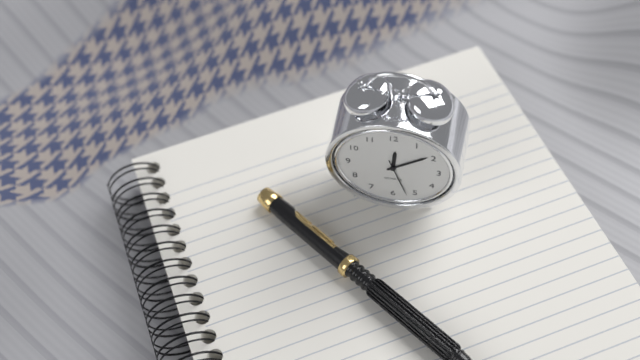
{"hour": 12, "minute": 9}
